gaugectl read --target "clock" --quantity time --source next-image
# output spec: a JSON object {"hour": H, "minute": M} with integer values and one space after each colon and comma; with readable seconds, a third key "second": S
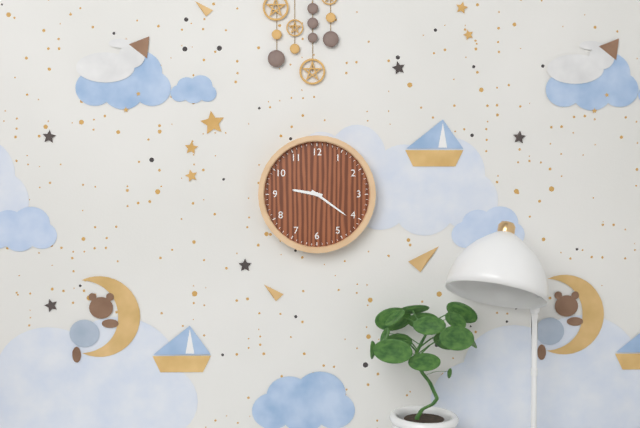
{"hour": 9, "minute": 21}
